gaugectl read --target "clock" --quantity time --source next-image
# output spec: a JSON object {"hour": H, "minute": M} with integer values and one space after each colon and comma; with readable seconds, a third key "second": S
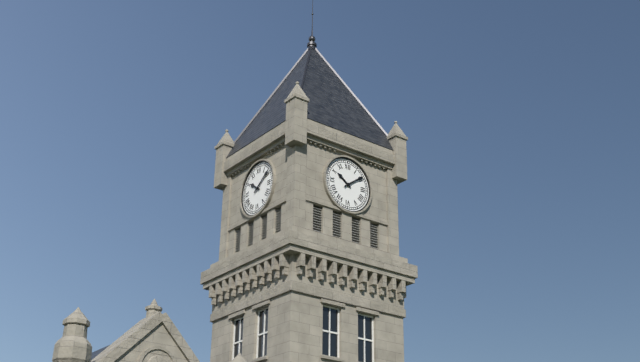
{"hour": 10, "minute": 9}
